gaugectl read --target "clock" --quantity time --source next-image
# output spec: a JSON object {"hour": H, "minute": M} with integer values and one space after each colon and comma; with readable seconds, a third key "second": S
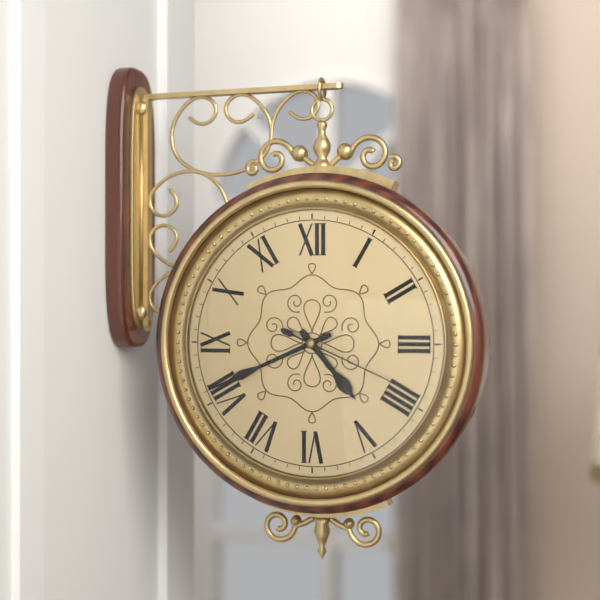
{"hour": 4, "minute": 41, "second": 19}
